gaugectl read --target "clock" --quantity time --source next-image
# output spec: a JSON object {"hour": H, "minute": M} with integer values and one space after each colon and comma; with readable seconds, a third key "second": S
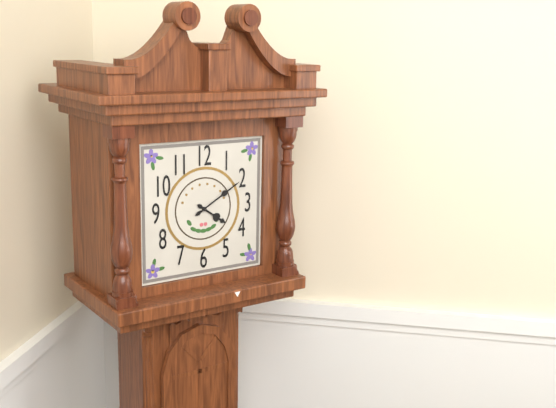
{"hour": 4, "minute": 10}
